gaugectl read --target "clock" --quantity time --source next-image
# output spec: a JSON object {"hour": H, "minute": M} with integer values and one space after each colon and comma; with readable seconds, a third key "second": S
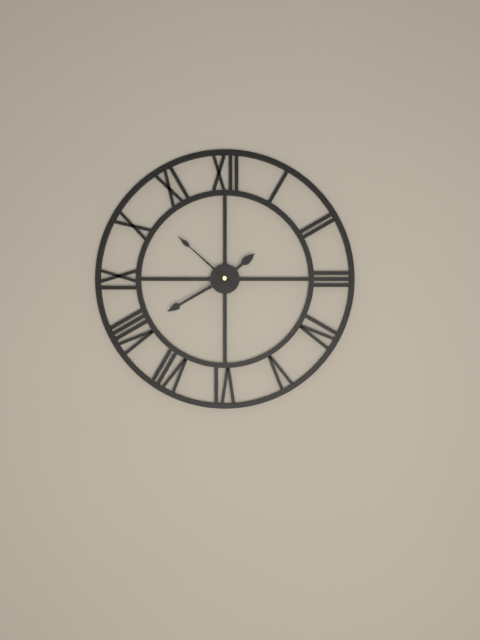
{"hour": 1, "minute": 40, "second": 52}
